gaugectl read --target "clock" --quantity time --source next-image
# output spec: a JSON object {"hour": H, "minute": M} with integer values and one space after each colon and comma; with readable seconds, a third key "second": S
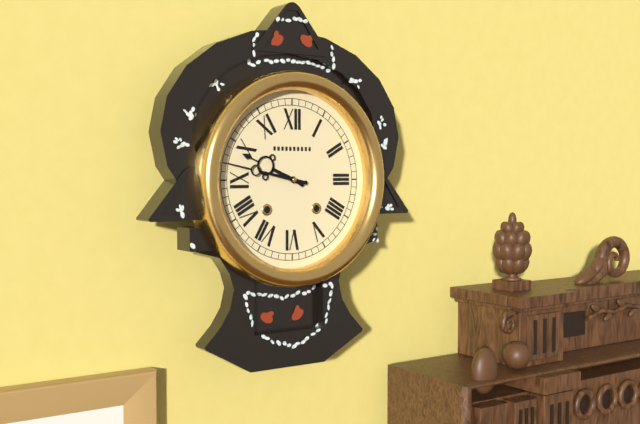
{"hour": 9, "minute": 47}
